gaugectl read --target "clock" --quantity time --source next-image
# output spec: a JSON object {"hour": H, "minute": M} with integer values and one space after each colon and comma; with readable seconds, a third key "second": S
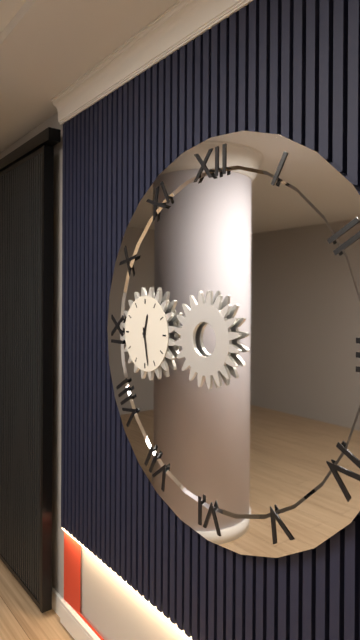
{"hour": 12, "minute": 28}
